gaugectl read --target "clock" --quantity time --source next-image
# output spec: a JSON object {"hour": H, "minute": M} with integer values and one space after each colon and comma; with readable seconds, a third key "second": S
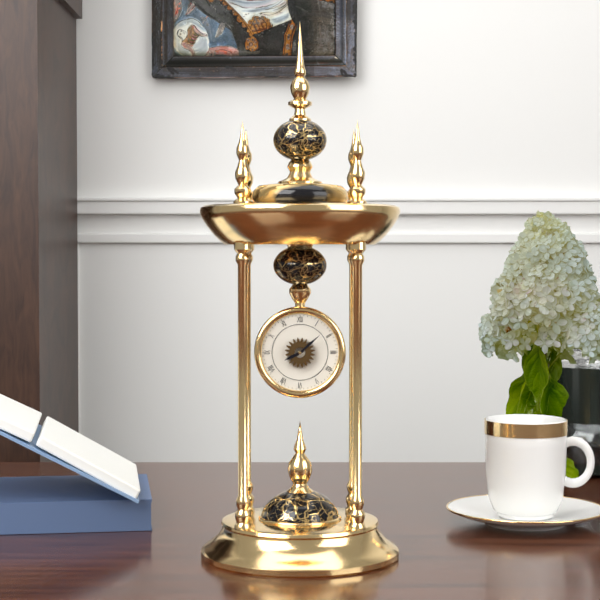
{"hour": 8, "minute": 8}
